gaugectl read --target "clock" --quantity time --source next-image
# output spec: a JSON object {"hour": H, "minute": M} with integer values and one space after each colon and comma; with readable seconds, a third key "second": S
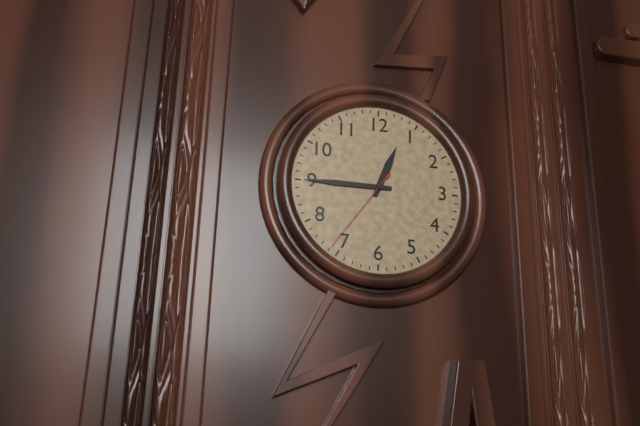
{"hour": 12, "minute": 45, "second": 36}
